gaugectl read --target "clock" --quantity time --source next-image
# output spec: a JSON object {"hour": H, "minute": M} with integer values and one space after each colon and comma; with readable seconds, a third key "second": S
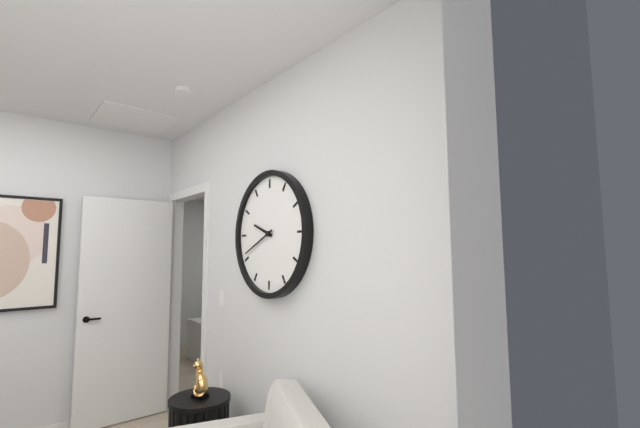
{"hour": 9, "minute": 41}
